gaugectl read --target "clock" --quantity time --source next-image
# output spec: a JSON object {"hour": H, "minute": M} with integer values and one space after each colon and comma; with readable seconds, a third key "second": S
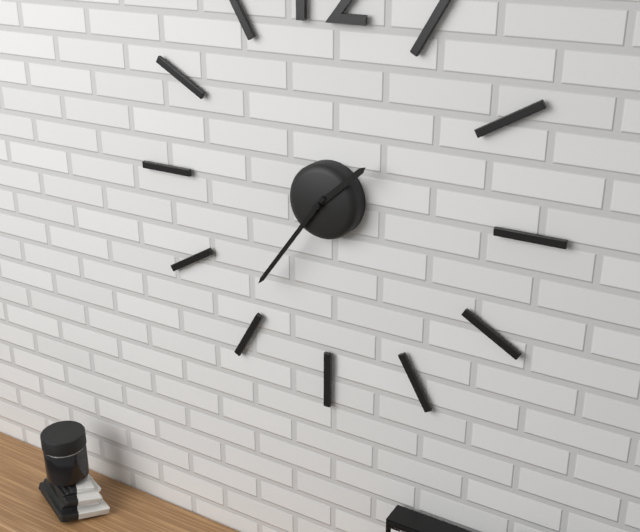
{"hour": 1, "minute": 36}
